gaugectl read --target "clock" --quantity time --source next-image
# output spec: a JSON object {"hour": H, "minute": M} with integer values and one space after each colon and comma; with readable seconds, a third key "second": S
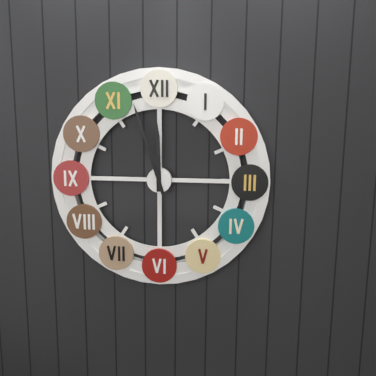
{"hour": 11, "minute": 57}
